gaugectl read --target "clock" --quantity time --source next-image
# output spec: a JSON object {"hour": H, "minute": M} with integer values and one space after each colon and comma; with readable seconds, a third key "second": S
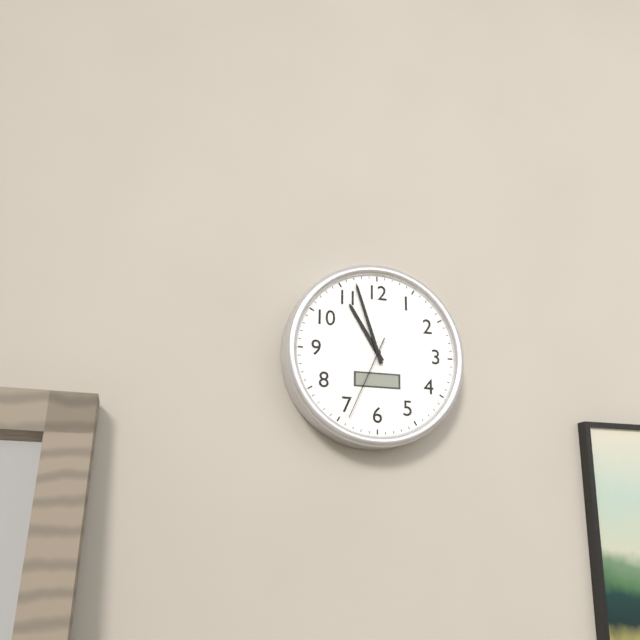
{"hour": 10, "minute": 57, "second": 34}
